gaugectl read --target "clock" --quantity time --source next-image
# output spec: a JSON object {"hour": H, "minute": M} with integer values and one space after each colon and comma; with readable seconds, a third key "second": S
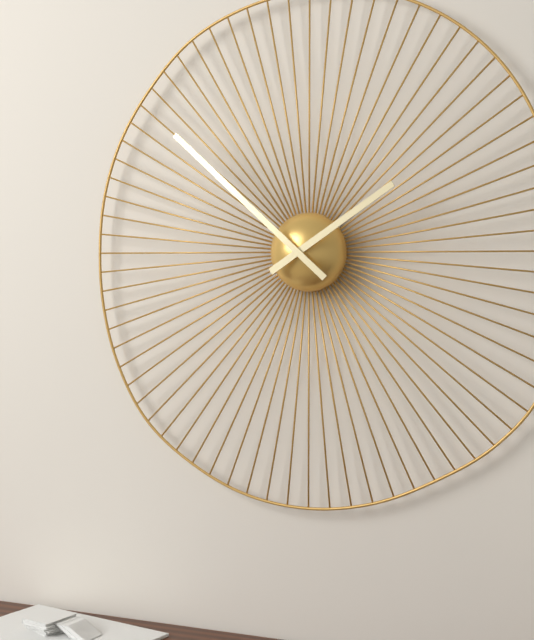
{"hour": 1, "minute": 52}
